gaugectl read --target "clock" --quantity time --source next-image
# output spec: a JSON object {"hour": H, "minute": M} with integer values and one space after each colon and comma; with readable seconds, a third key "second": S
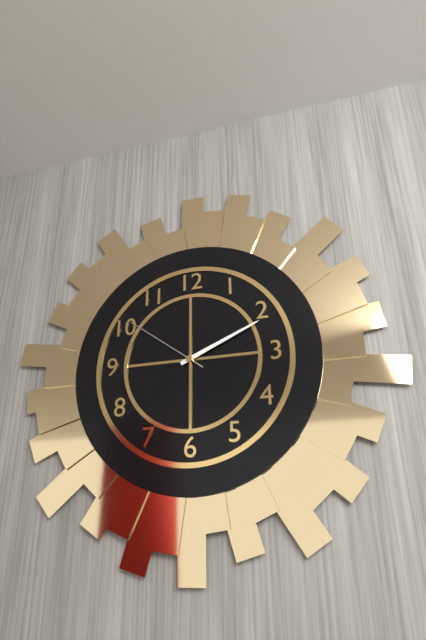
{"hour": 2, "minute": 11, "second": 51}
